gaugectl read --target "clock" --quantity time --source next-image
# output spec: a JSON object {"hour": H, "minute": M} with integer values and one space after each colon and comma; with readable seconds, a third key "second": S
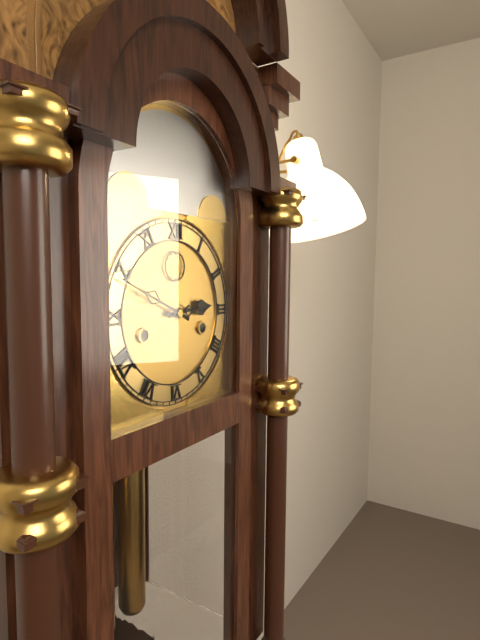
{"hour": 2, "minute": 49}
